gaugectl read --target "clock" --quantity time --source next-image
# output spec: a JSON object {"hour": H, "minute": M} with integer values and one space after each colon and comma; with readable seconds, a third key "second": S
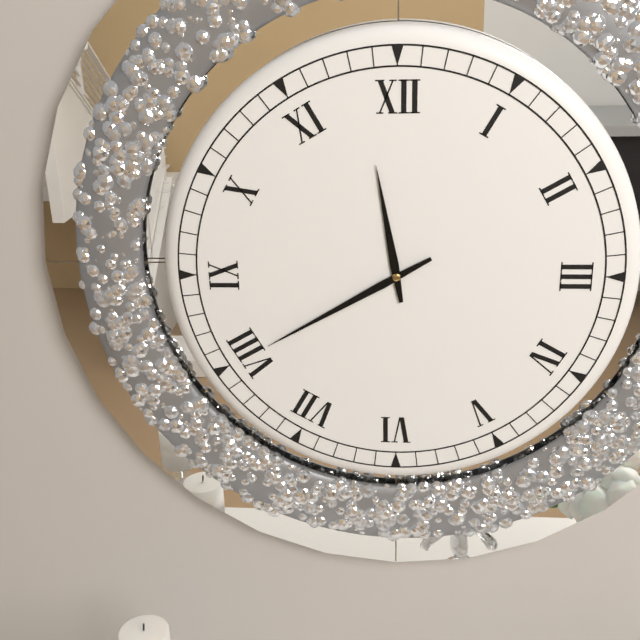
{"hour": 11, "minute": 40}
